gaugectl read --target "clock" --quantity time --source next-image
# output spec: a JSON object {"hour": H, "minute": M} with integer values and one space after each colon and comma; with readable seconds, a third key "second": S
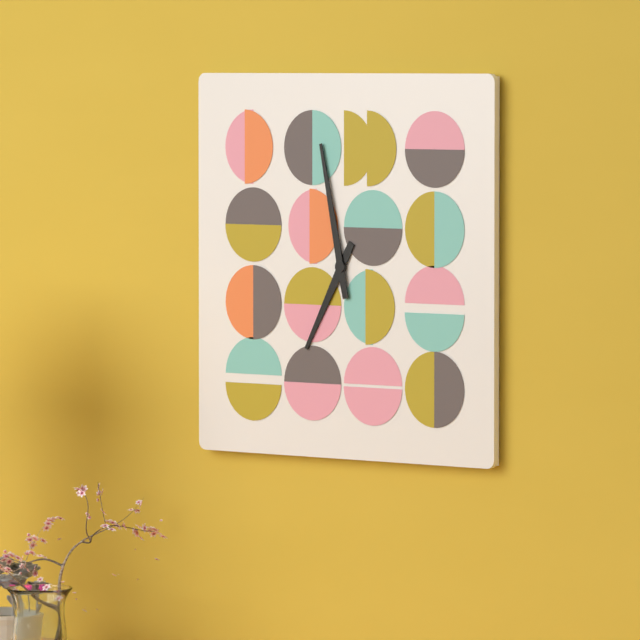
{"hour": 6, "minute": 58}
